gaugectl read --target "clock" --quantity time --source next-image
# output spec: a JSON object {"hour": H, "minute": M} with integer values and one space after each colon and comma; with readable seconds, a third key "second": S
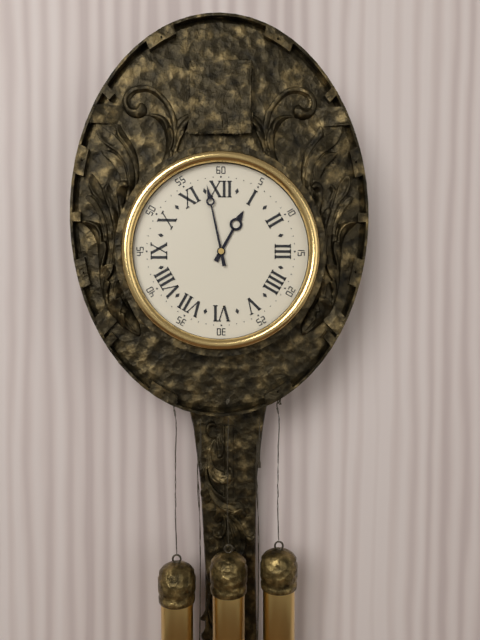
{"hour": 12, "minute": 58}
